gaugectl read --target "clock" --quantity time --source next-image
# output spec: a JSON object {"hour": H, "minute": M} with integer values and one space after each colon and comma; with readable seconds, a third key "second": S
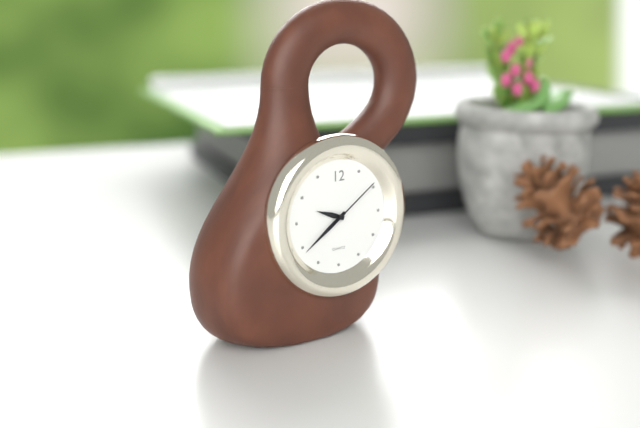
{"hour": 9, "minute": 39, "second": 9}
